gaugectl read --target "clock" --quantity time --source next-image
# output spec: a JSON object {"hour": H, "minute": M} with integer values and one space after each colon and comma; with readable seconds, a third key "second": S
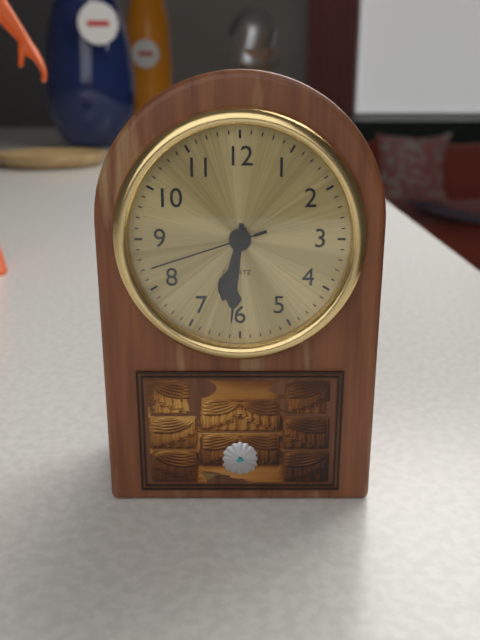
{"hour": 6, "minute": 31, "second": 42}
